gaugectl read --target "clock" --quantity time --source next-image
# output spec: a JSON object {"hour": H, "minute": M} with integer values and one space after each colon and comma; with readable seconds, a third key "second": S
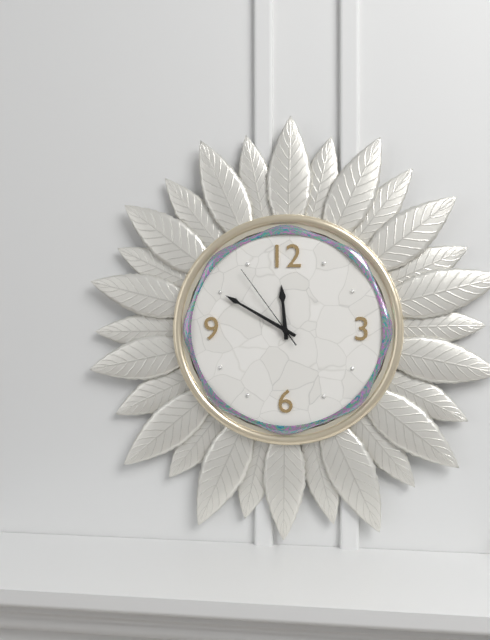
{"hour": 11, "minute": 50, "second": 54}
